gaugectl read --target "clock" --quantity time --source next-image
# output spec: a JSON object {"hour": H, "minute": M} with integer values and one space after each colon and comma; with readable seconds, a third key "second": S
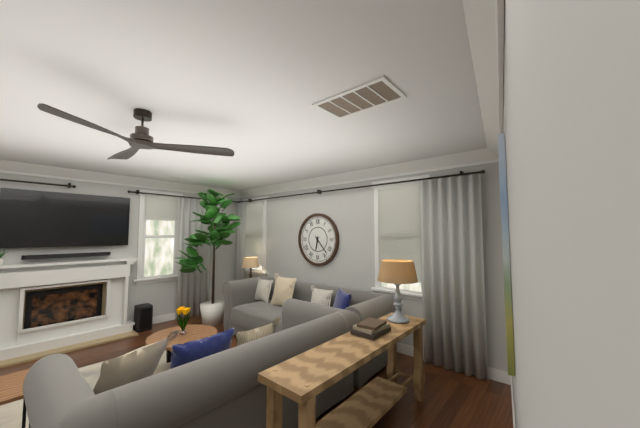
{"hour": 6, "minute": 23}
